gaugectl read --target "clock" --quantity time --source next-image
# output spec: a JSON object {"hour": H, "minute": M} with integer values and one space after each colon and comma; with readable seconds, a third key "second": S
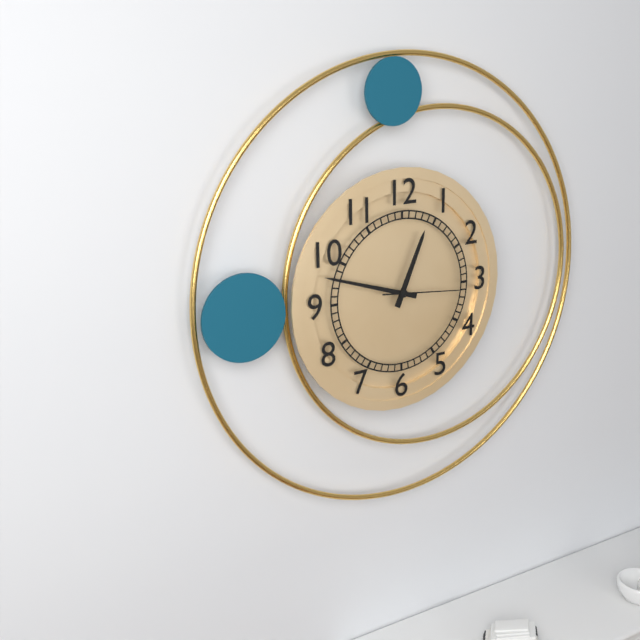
{"hour": 12, "minute": 48, "second": 16}
